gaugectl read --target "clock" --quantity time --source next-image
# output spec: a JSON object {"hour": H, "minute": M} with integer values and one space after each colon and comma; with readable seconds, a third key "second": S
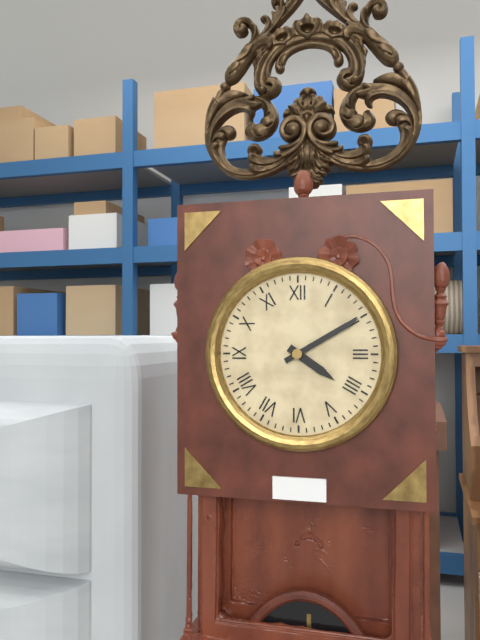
{"hour": 4, "minute": 10}
